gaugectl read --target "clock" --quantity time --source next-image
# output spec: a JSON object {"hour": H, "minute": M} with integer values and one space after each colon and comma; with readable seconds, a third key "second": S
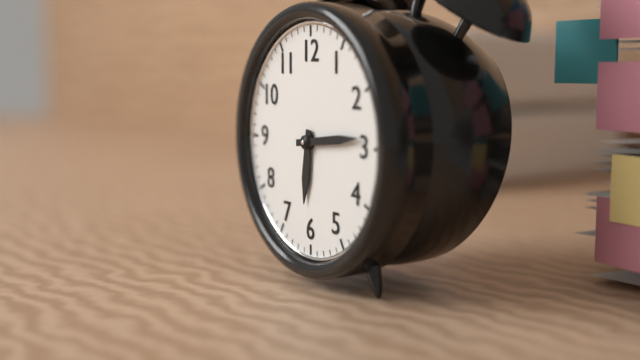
{"hour": 6, "minute": 14}
